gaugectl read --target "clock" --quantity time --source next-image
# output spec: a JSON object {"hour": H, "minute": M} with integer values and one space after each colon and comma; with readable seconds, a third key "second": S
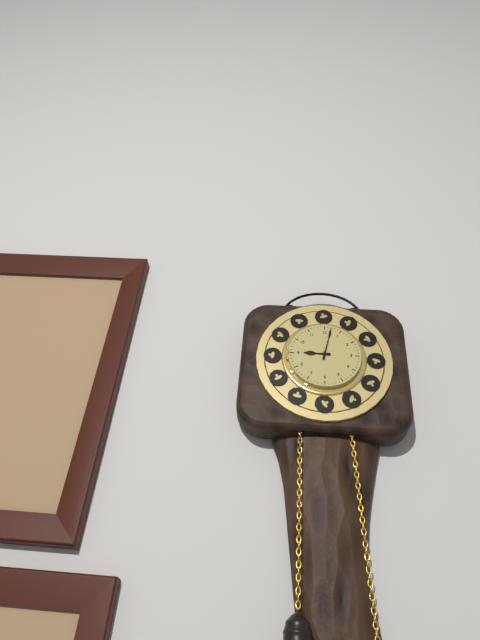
{"hour": 9, "minute": 2}
